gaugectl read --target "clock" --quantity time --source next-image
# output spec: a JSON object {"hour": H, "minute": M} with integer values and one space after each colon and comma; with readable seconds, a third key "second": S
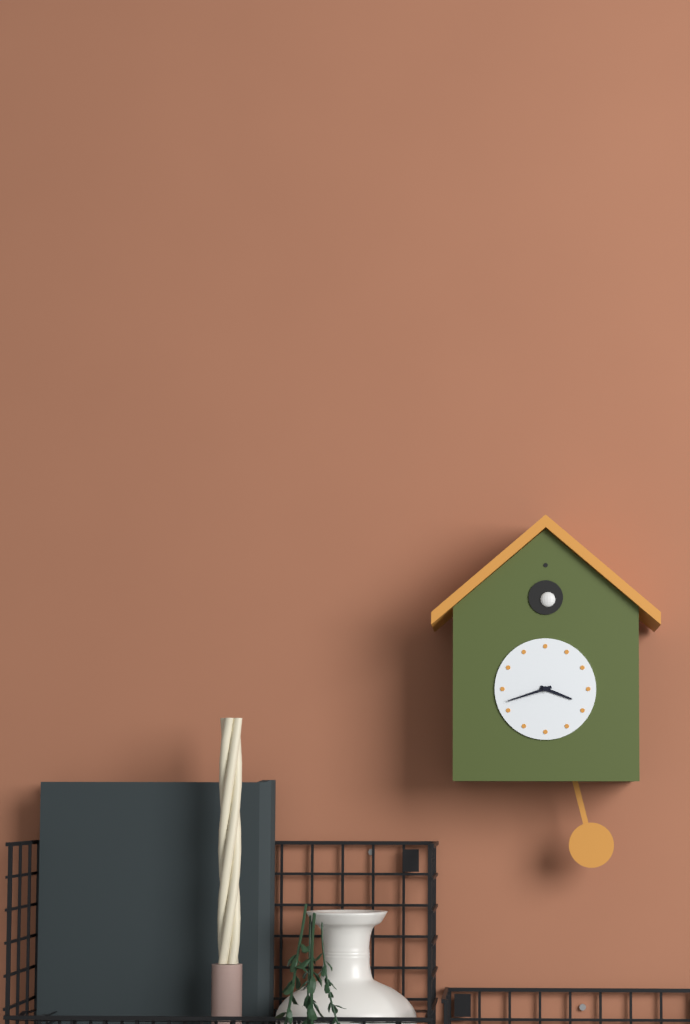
{"hour": 3, "minute": 42}
